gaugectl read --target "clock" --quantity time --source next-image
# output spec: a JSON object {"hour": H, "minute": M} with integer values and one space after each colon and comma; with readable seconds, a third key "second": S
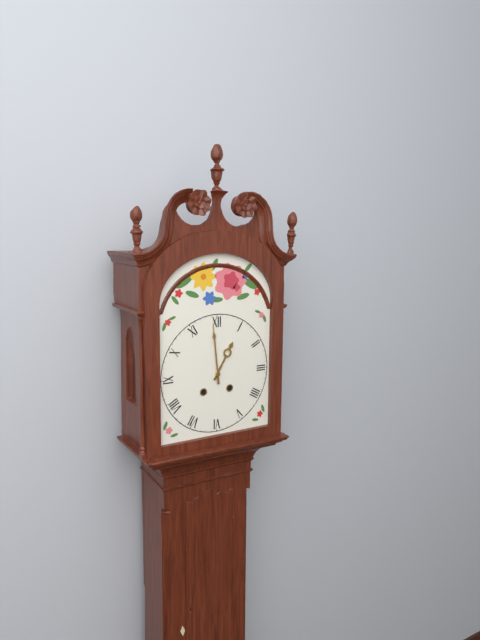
{"hour": 12, "minute": 59}
